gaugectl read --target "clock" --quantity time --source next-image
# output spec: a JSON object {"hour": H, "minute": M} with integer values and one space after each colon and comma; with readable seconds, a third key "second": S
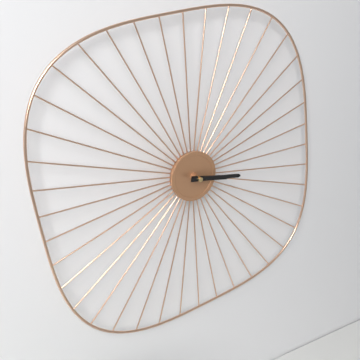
{"hour": 3, "minute": 16}
